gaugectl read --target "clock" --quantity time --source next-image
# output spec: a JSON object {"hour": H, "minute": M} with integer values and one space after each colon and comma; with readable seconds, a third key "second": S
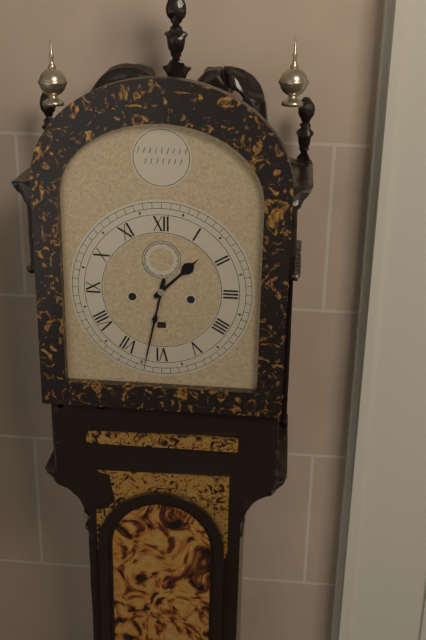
{"hour": 1, "minute": 32}
